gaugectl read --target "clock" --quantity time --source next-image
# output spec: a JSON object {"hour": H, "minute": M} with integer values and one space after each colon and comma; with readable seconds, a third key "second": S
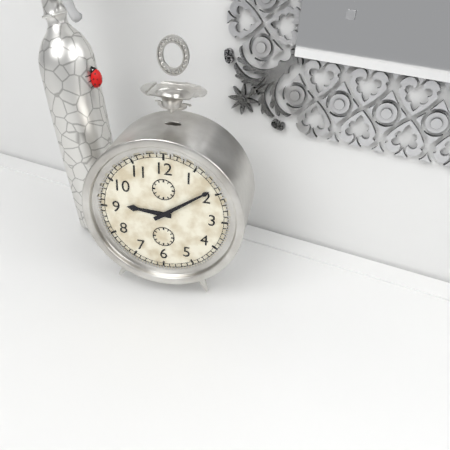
{"hour": 9, "minute": 9}
